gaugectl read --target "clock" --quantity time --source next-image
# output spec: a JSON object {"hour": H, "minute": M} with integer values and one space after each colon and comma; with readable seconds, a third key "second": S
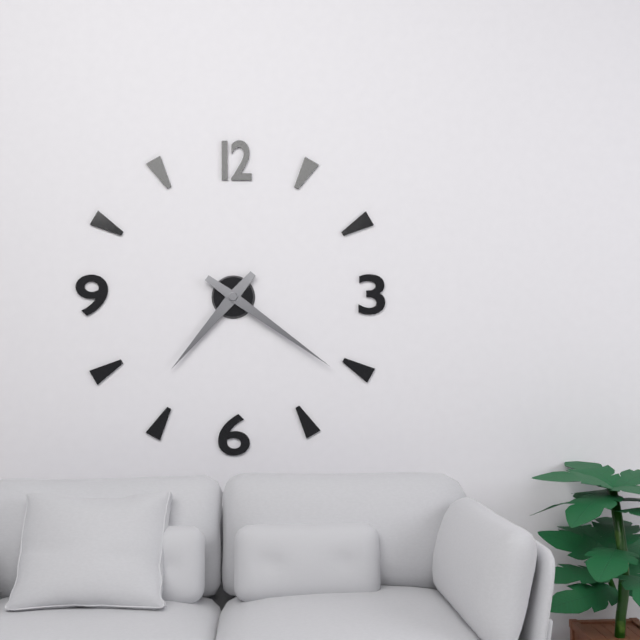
{"hour": 7, "minute": 21}
